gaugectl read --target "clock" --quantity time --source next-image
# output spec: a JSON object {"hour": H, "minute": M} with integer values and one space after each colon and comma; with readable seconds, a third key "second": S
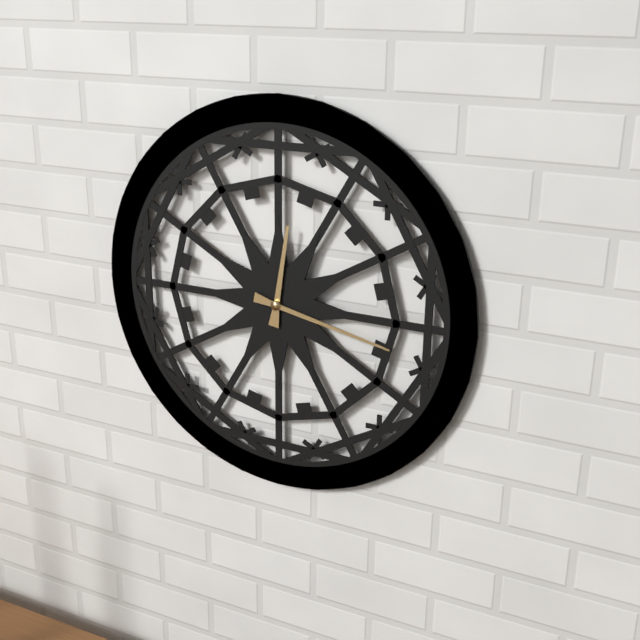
{"hour": 12, "minute": 17}
